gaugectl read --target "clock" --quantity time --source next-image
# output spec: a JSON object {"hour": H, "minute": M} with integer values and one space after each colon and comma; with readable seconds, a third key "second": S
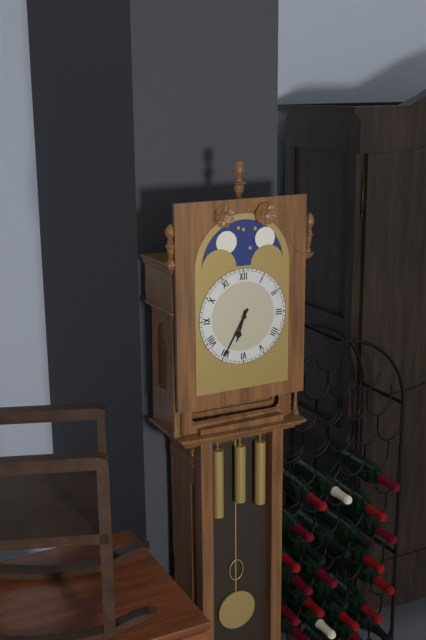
{"hour": 6, "minute": 35}
